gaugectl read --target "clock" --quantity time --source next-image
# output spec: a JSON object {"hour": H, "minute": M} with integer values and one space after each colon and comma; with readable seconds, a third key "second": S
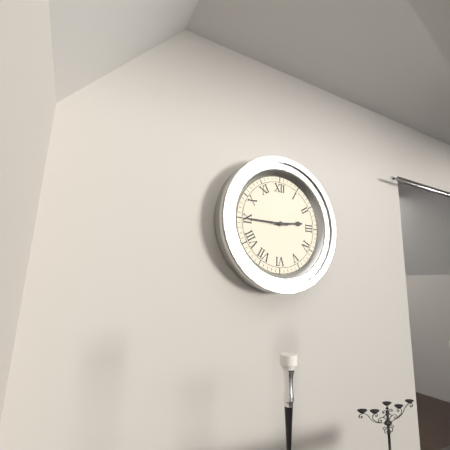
{"hour": 2, "minute": 45}
